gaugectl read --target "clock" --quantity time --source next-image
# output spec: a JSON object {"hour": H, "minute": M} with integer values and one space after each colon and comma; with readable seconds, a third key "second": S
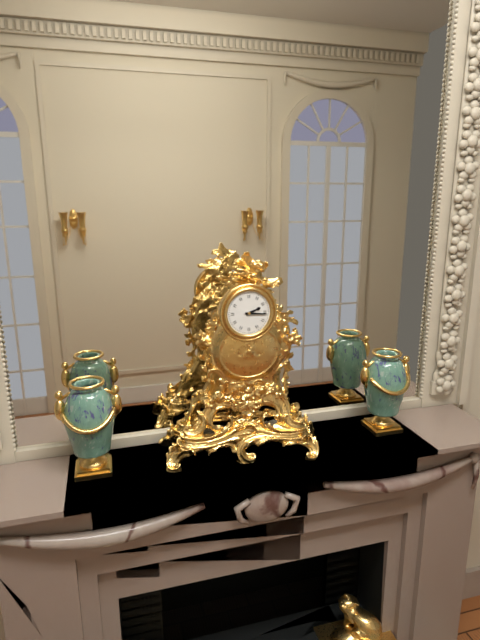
{"hour": 2, "minute": 16}
